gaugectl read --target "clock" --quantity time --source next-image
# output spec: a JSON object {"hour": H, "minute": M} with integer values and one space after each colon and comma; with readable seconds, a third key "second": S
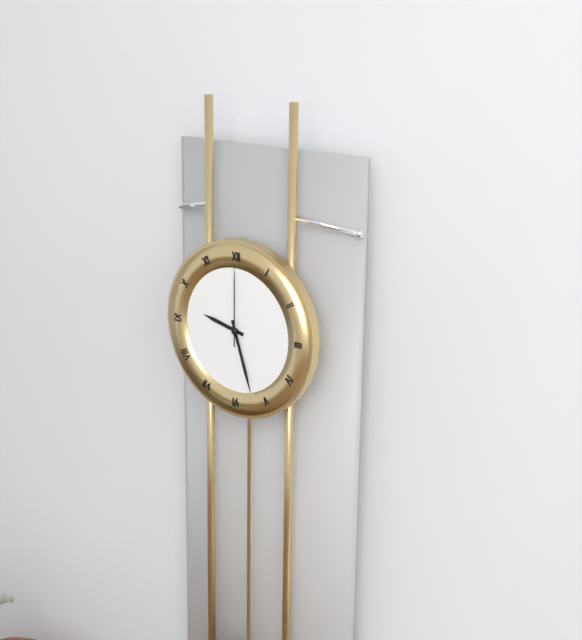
{"hour": 9, "minute": 27, "second": 0}
